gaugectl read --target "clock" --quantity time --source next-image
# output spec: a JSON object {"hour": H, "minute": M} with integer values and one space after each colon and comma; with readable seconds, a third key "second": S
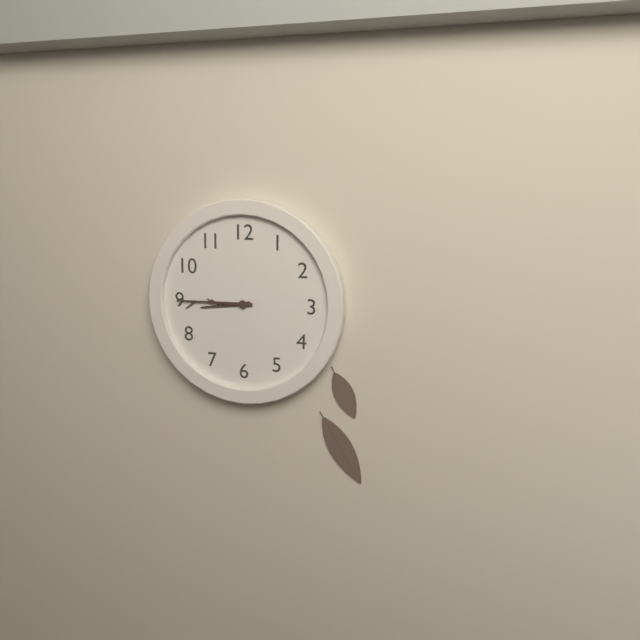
{"hour": 8, "minute": 45}
